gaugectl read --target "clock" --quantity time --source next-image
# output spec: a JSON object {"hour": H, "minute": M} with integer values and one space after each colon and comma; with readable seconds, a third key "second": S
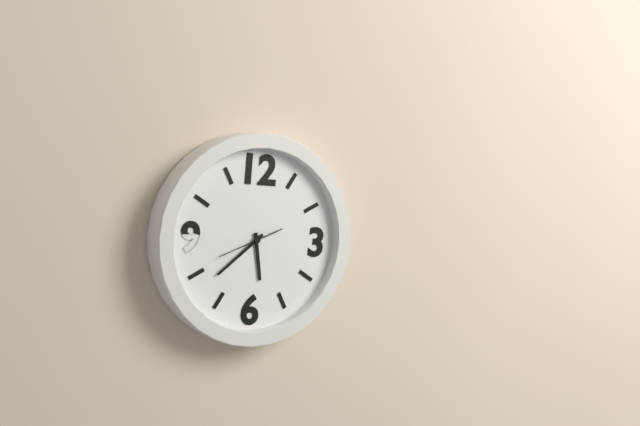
{"hour": 5, "minute": 38}
